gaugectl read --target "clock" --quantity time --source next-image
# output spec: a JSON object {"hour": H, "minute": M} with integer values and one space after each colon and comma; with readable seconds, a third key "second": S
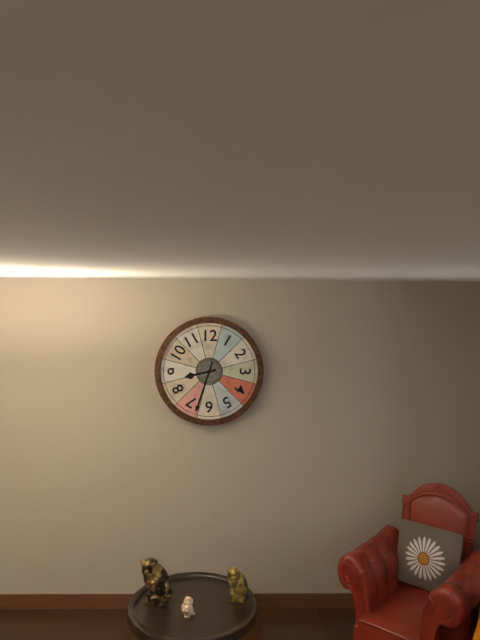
{"hour": 8, "minute": 33}
